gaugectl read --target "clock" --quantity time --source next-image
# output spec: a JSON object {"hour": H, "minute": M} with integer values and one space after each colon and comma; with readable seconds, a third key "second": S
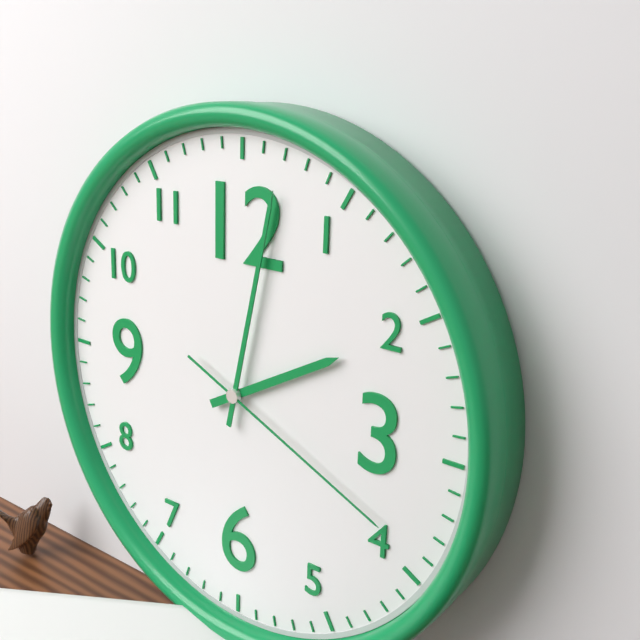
{"hour": 2, "minute": 2, "second": 19}
